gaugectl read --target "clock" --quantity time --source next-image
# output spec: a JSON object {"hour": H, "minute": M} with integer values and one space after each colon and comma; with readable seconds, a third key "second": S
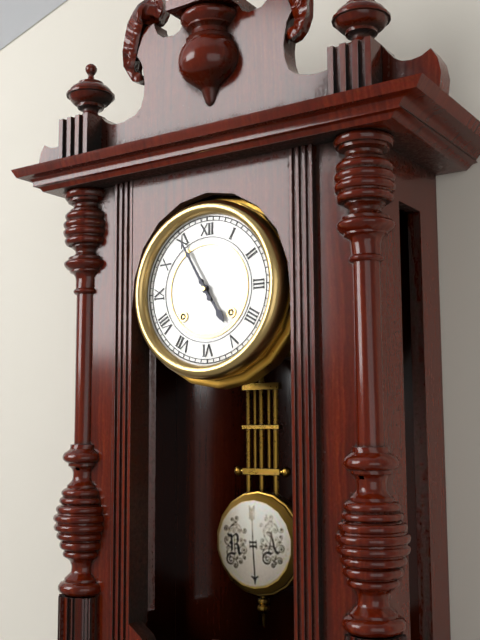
{"hour": 4, "minute": 55}
